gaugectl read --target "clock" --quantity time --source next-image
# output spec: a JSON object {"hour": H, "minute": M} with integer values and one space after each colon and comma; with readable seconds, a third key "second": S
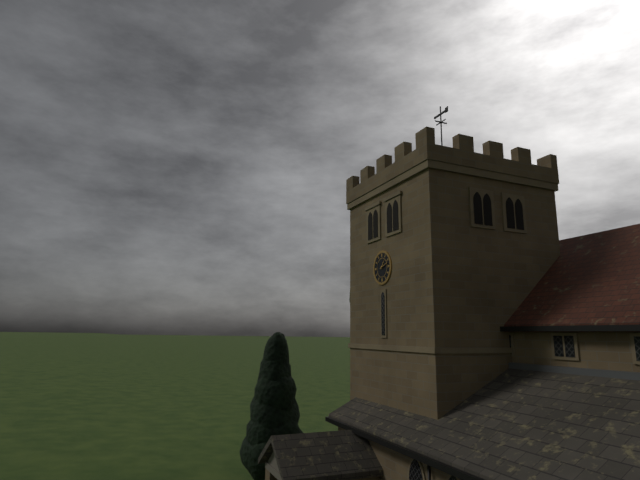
{"hour": 1, "minute": 12}
